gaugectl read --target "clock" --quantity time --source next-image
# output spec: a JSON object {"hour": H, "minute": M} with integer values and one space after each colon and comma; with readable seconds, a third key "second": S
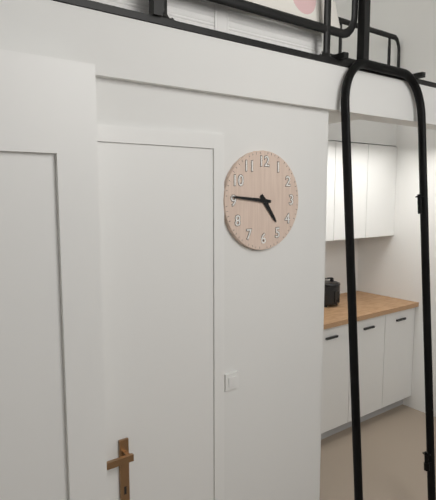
{"hour": 4, "minute": 46}
